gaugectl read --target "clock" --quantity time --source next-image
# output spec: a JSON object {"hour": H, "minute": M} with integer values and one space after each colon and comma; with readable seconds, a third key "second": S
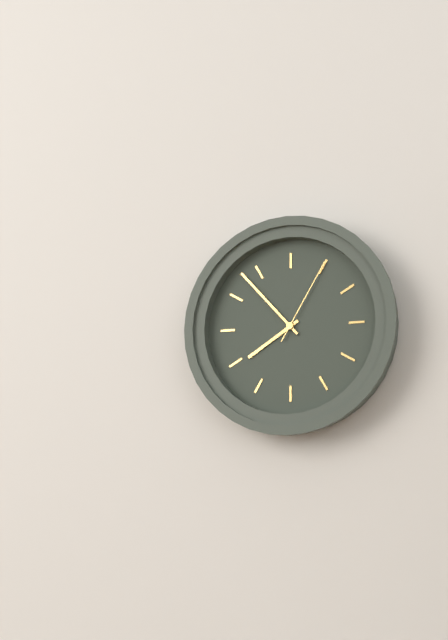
{"hour": 7, "minute": 53, "second": 5}
